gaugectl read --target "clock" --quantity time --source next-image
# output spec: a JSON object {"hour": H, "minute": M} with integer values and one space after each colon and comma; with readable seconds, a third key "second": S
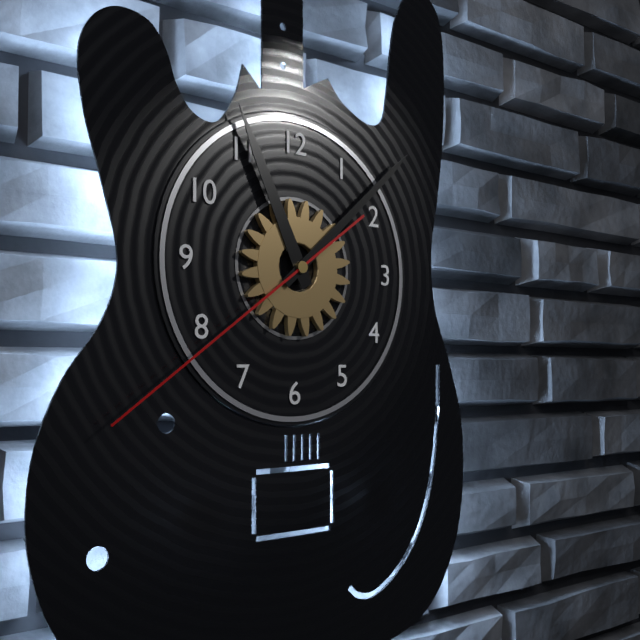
{"hour": 11, "minute": 8, "second": 39}
